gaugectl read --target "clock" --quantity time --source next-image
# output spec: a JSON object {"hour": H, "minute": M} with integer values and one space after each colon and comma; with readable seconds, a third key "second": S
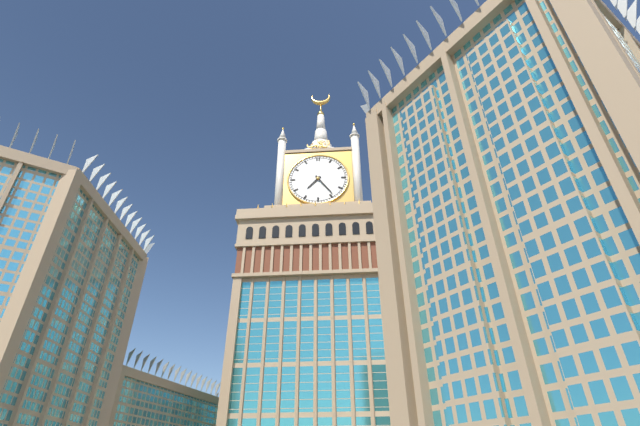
{"hour": 7, "minute": 24}
